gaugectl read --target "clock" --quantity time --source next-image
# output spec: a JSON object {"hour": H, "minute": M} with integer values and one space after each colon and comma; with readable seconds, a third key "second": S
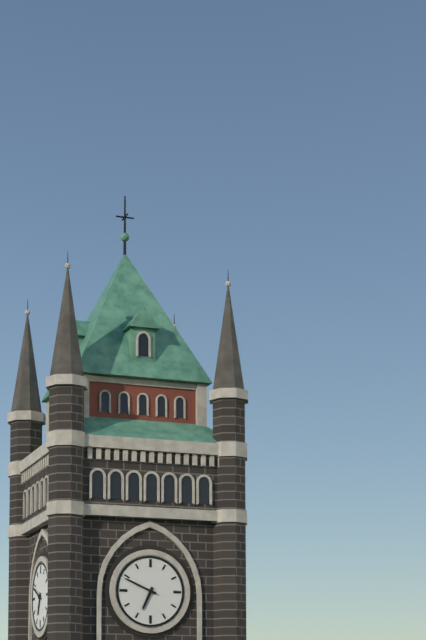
{"hour": 6, "minute": 49}
